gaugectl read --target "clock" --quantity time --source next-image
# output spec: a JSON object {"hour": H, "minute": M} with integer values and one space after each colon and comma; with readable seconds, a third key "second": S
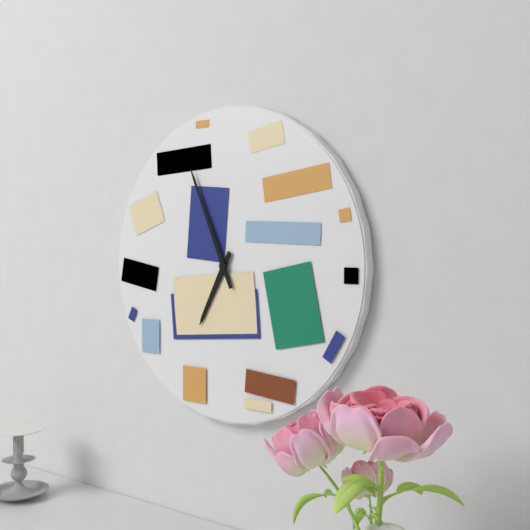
{"hour": 6, "minute": 56}
